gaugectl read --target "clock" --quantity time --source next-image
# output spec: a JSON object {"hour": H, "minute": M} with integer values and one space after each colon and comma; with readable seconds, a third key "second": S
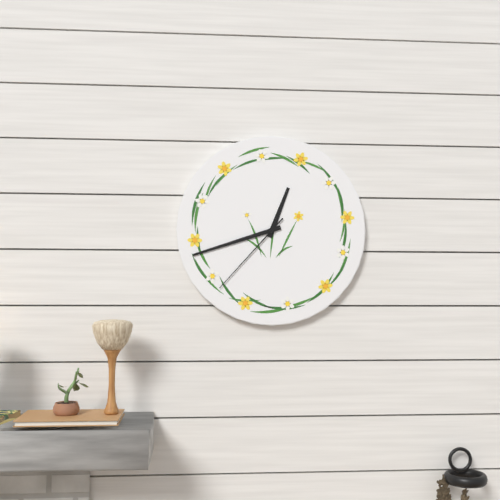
{"hour": 12, "minute": 42, "second": 37}
